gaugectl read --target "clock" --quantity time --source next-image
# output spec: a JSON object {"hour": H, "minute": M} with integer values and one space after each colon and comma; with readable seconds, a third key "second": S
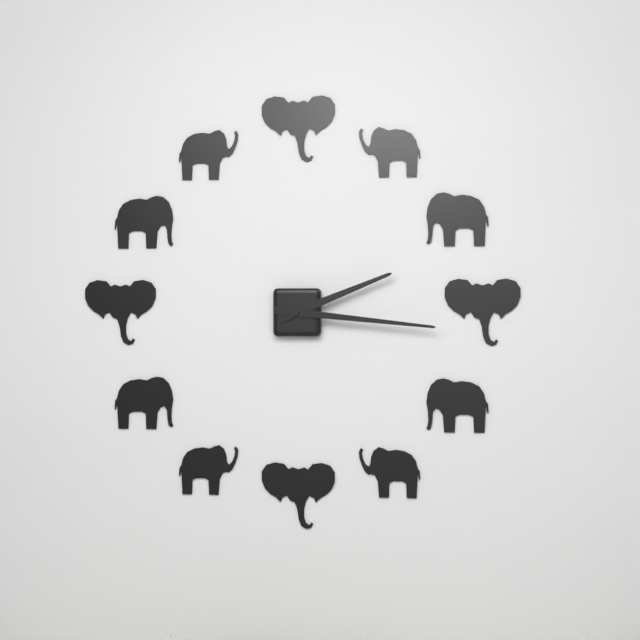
{"hour": 2, "minute": 16}
